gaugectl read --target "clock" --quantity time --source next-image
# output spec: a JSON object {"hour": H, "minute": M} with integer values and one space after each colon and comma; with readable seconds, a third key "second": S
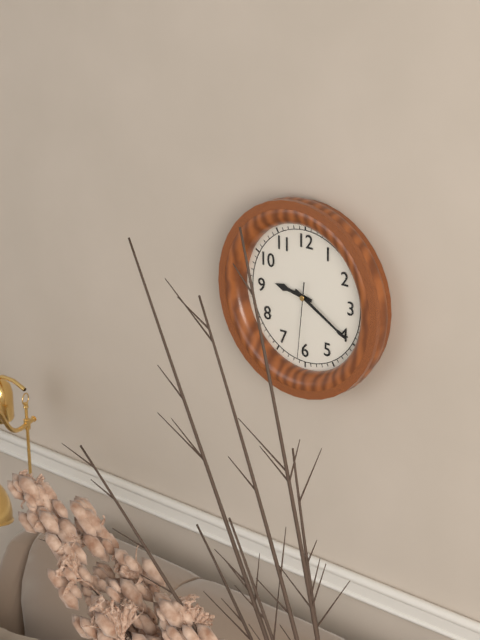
{"hour": 9, "minute": 20, "second": 31}
